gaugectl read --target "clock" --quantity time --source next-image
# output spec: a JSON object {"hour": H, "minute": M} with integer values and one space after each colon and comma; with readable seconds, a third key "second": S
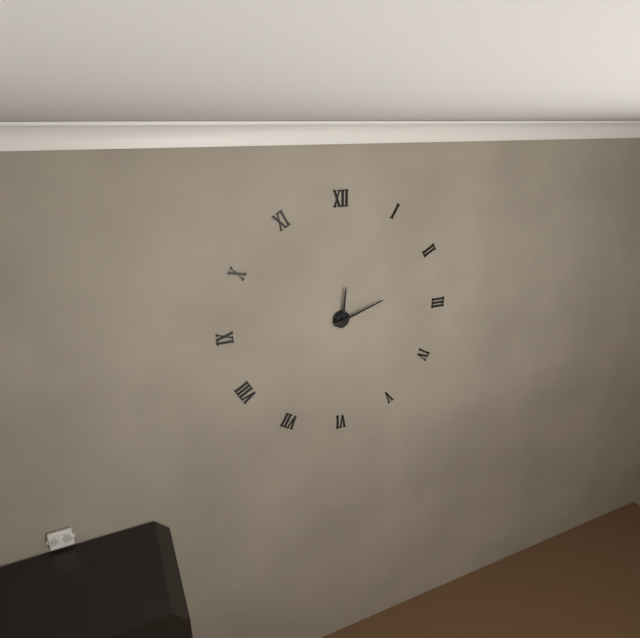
{"hour": 12, "minute": 12}
